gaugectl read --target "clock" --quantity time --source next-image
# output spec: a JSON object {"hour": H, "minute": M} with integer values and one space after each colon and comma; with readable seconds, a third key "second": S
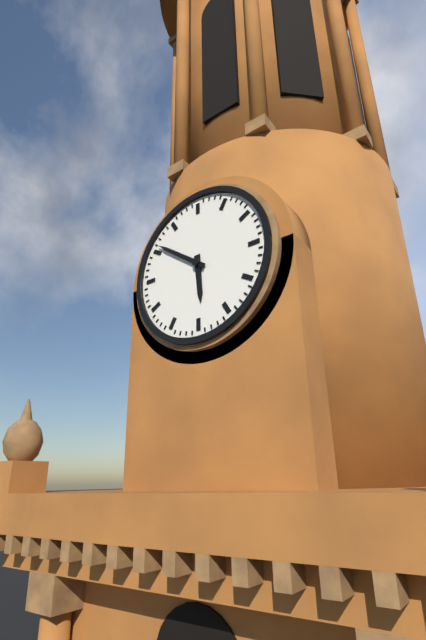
{"hour": 5, "minute": 51}
